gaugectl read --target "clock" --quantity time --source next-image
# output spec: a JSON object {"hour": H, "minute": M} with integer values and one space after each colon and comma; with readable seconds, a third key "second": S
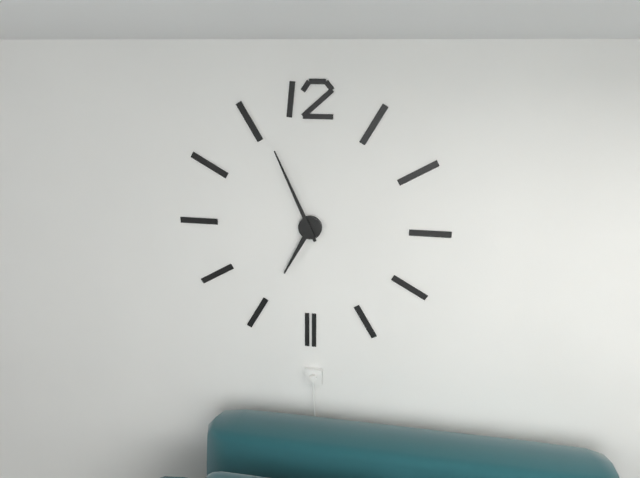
{"hour": 6, "minute": 56}
